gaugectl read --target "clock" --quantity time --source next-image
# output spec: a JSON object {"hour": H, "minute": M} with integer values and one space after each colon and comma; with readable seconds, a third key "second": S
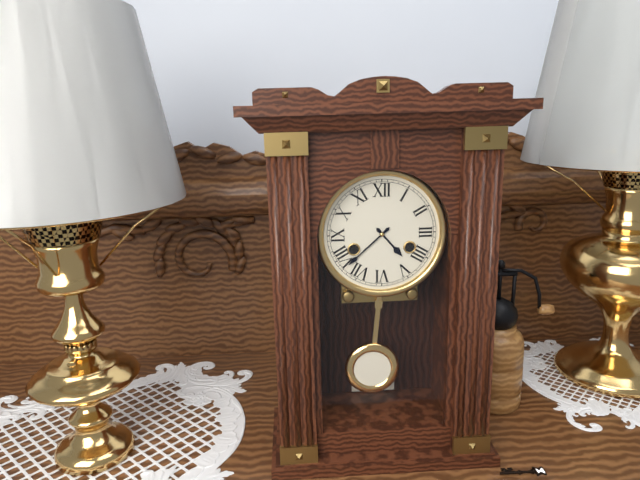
{"hour": 4, "minute": 38}
